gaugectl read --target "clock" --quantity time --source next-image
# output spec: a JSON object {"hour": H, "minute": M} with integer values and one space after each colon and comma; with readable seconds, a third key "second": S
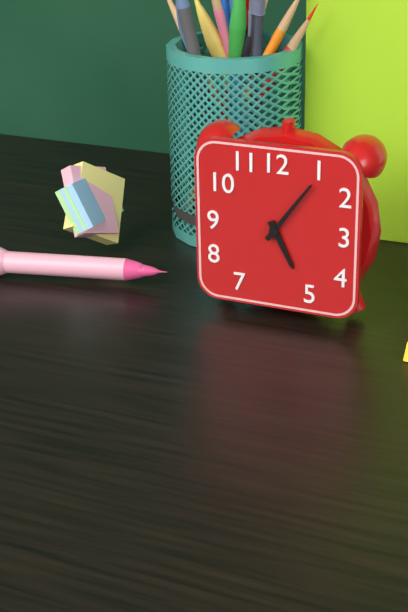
{"hour": 5, "minute": 6}
